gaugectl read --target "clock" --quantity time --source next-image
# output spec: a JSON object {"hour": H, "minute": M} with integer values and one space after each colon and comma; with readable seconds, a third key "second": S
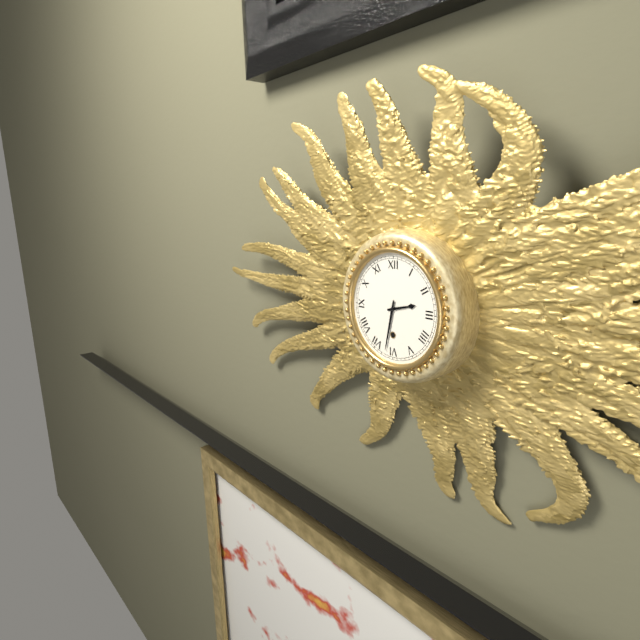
{"hour": 2, "minute": 32}
